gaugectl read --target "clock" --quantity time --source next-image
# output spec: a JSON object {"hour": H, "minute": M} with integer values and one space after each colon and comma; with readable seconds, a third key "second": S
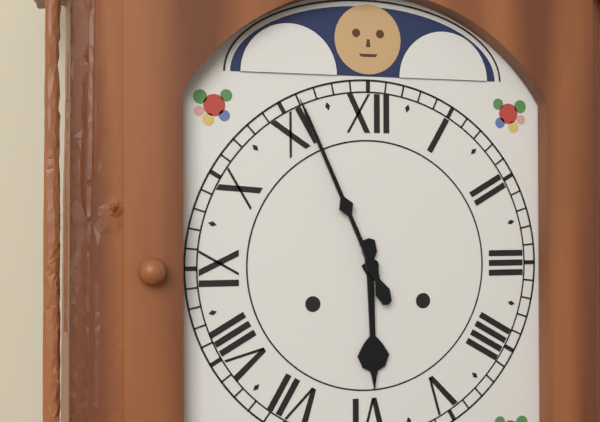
{"hour": 5, "minute": 56}
